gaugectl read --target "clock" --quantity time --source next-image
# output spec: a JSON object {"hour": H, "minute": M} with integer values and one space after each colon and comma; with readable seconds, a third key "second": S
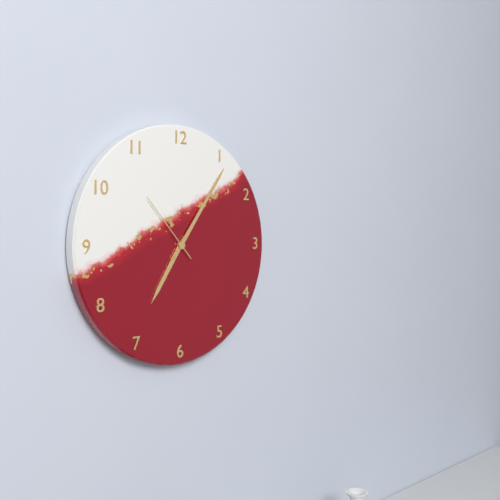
{"hour": 7, "minute": 6, "second": 53}
